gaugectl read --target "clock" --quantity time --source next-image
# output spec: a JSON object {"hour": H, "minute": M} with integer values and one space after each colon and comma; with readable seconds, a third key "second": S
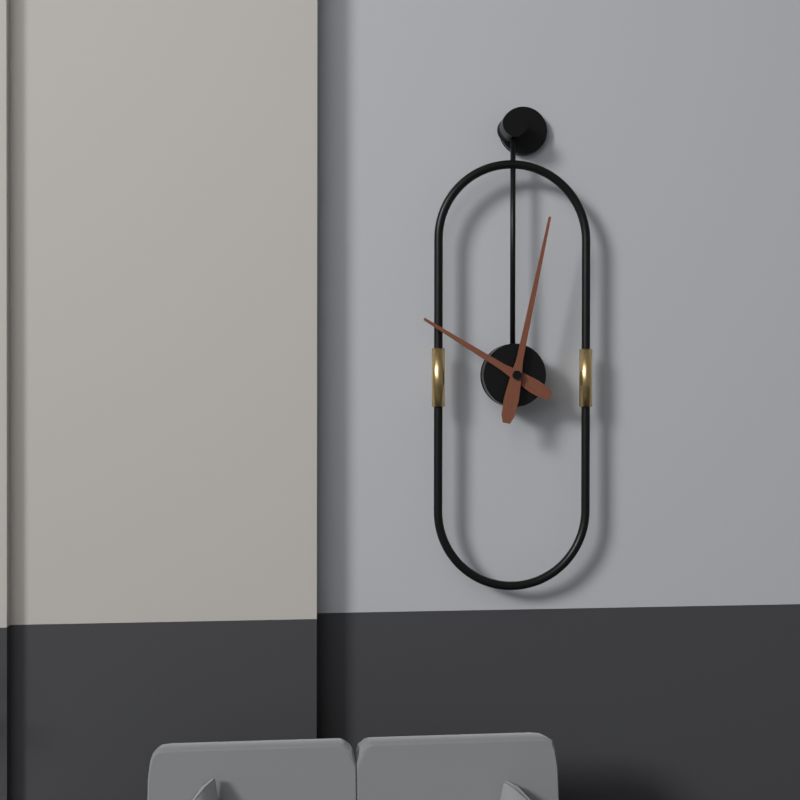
{"hour": 10, "minute": 2}
